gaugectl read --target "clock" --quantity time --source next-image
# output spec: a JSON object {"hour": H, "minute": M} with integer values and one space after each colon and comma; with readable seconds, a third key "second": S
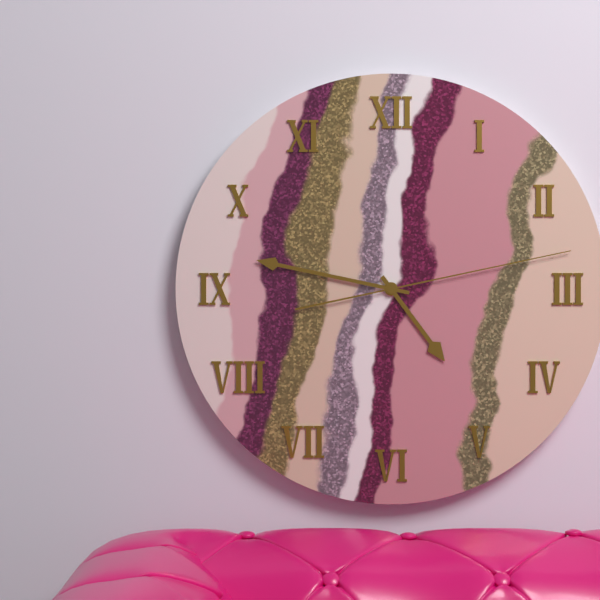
{"hour": 4, "minute": 47, "second": 13}
